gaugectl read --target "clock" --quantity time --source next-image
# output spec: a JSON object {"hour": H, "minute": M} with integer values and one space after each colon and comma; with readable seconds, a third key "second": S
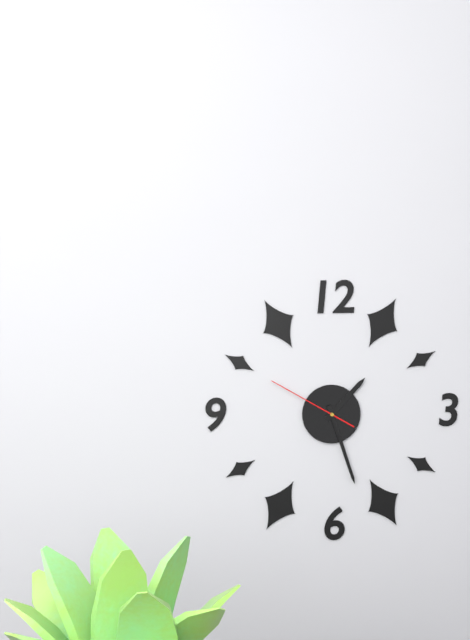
{"hour": 1, "minute": 27, "second": 50}
